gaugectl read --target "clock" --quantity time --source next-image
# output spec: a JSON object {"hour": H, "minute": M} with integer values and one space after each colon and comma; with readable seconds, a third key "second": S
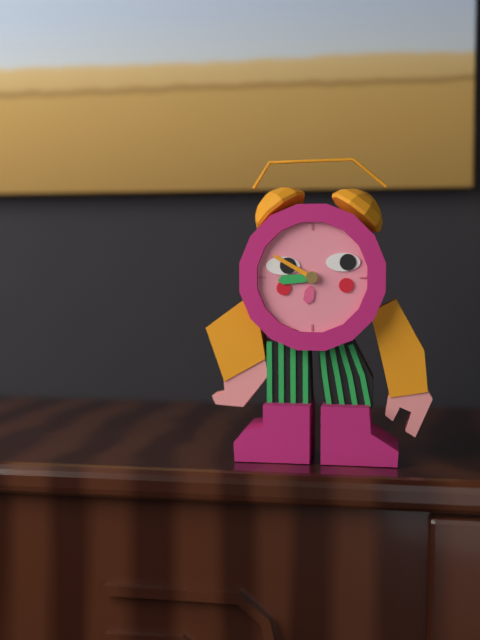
{"hour": 8, "minute": 50}
